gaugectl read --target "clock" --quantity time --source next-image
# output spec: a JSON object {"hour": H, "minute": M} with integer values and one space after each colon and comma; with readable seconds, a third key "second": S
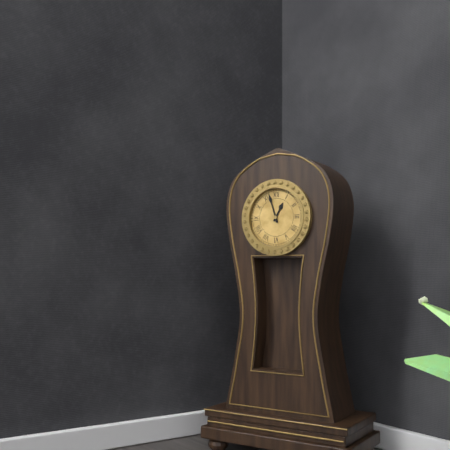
{"hour": 12, "minute": 57}
